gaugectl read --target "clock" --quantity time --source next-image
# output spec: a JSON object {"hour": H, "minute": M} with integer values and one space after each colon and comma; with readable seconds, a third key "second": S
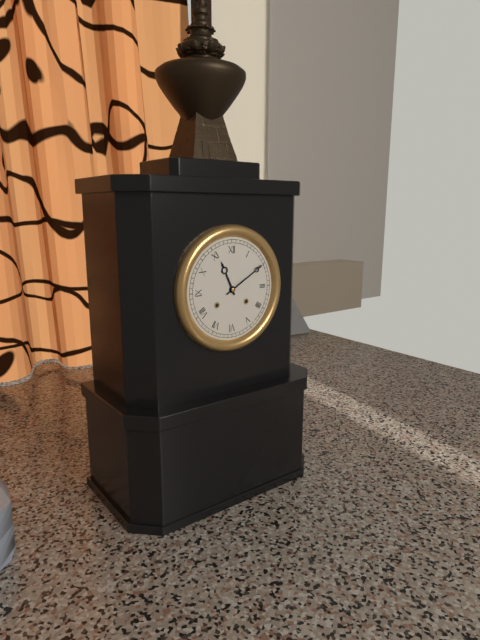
{"hour": 11, "minute": 10}
